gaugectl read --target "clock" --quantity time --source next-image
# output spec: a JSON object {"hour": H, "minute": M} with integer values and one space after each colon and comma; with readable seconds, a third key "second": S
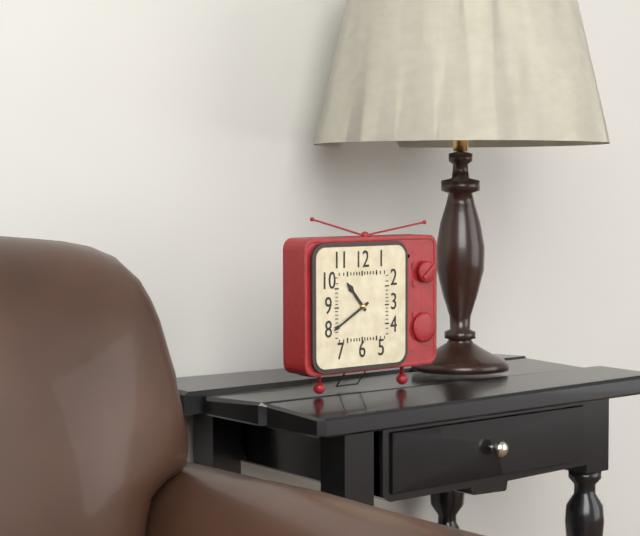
{"hour": 10, "minute": 40}
